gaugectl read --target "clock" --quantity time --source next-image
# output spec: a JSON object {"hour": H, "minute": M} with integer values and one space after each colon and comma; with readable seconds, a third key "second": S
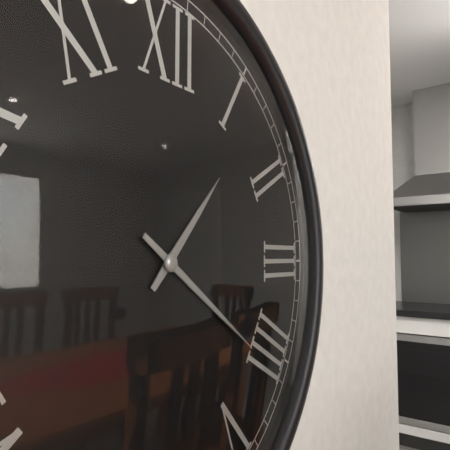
{"hour": 1, "minute": 21}
